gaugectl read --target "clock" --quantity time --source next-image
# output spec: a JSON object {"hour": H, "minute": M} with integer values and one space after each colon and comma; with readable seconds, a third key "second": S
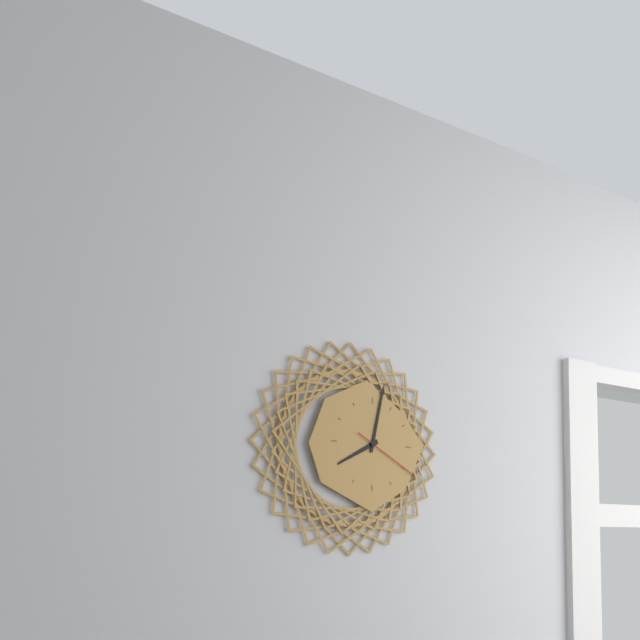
{"hour": 8, "minute": 2, "second": 20}
